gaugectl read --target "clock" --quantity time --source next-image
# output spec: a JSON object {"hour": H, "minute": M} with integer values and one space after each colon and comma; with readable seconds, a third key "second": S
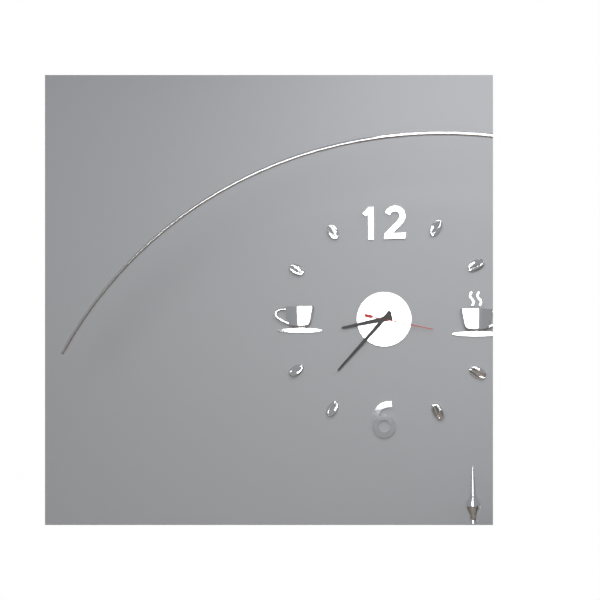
{"hour": 8, "minute": 37, "second": 17}
